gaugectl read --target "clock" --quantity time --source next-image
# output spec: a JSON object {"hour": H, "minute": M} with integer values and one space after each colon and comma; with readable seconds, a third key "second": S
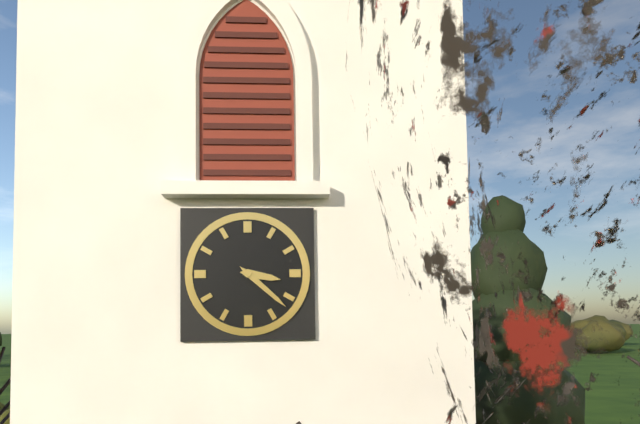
{"hour": 3, "minute": 22}
